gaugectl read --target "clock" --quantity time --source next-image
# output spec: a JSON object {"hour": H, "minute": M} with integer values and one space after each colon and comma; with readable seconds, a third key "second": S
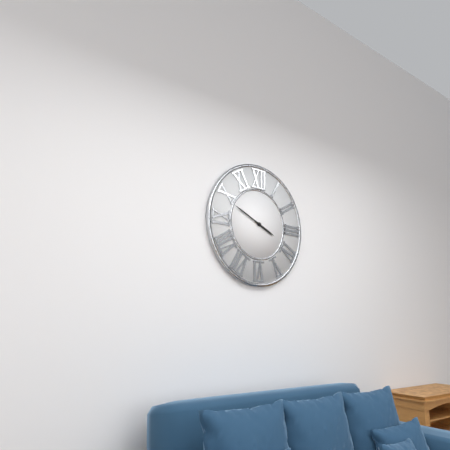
{"hour": 3, "minute": 49}
